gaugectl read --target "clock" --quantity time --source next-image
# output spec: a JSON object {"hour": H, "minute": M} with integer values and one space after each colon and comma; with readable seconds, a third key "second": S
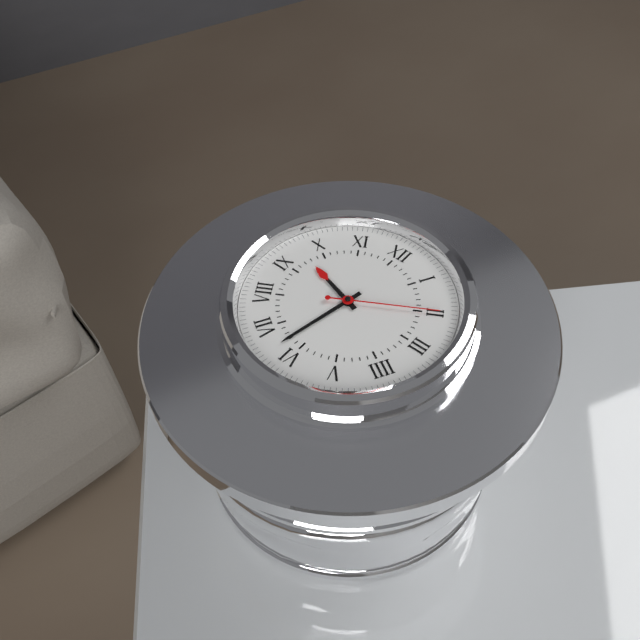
{"hour": 9, "minute": 32, "second": 10}
